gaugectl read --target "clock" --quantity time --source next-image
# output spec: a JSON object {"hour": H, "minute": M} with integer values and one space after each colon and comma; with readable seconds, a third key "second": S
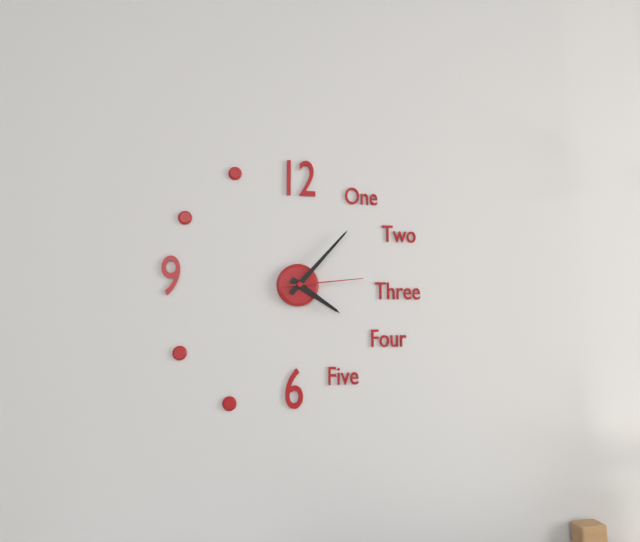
{"hour": 4, "minute": 7, "second": 14}
